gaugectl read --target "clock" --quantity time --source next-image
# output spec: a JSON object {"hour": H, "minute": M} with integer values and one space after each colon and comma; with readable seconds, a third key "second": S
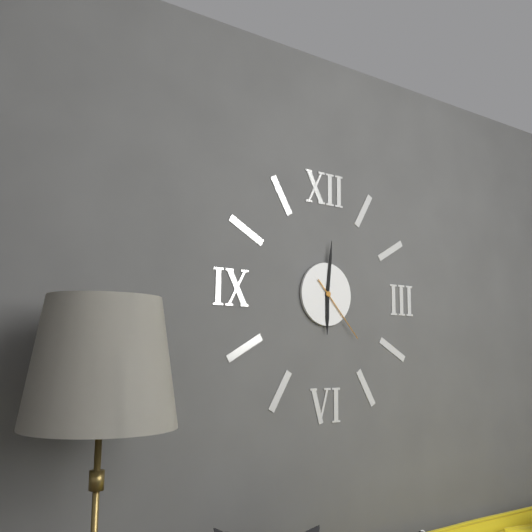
{"hour": 6, "minute": 1, "second": 23}
